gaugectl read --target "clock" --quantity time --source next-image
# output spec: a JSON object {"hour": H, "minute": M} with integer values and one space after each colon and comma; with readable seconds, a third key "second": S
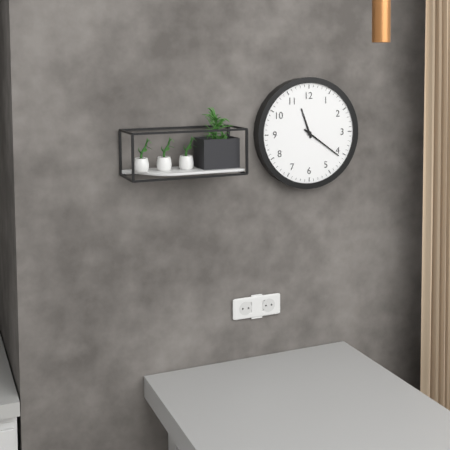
{"hour": 11, "minute": 21}
